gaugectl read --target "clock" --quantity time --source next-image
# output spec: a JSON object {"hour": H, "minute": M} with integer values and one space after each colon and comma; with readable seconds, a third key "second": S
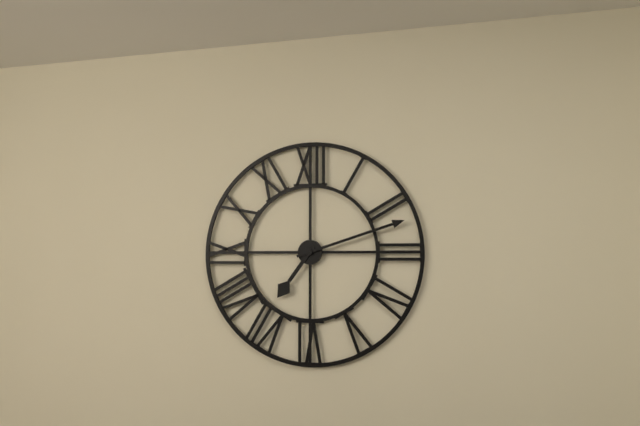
{"hour": 7, "minute": 12}
